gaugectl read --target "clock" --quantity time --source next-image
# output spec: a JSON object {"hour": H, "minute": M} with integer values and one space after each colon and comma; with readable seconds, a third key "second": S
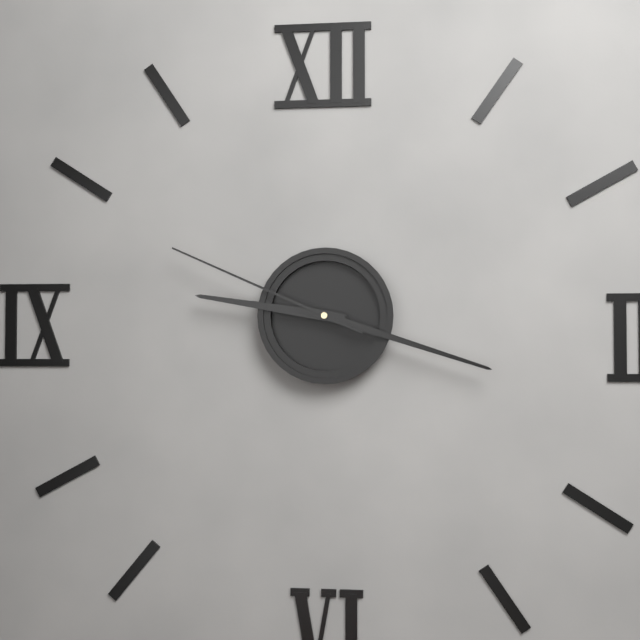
{"hour": 9, "minute": 18, "second": 49}
